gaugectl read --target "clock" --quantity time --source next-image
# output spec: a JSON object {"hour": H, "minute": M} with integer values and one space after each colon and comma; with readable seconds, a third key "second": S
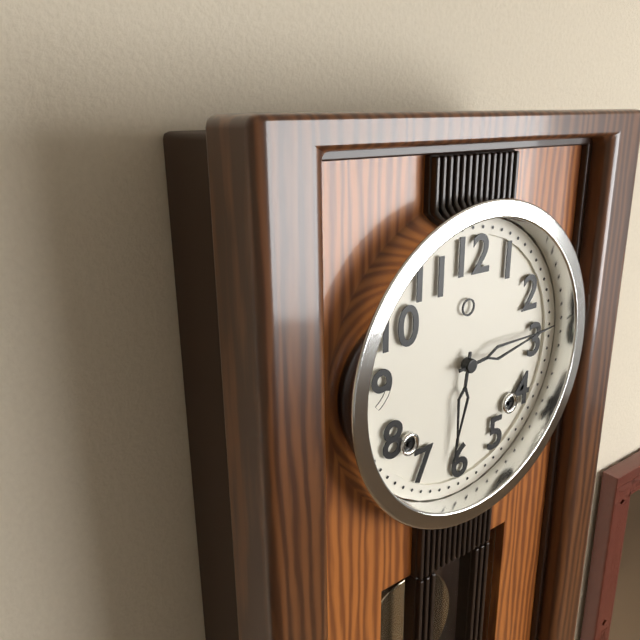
{"hour": 6, "minute": 14}
